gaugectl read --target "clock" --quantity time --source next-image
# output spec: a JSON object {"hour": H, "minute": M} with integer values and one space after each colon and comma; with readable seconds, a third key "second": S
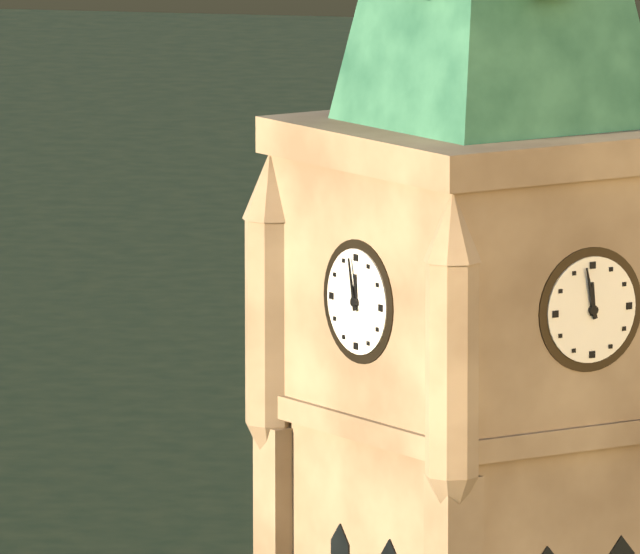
{"hour": 11, "minute": 58}
